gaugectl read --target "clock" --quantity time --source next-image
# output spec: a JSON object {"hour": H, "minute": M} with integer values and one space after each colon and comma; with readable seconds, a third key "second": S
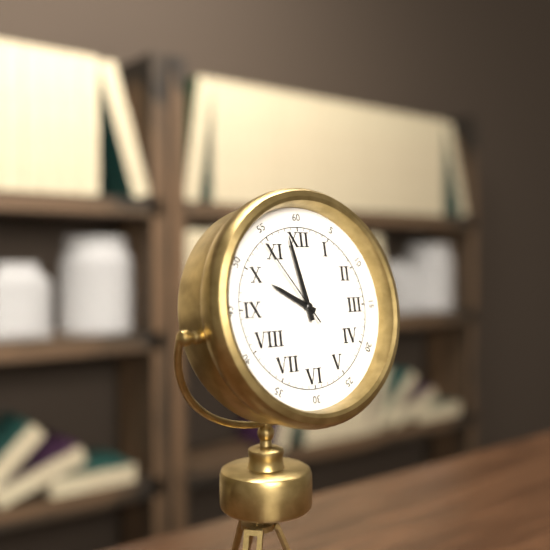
{"hour": 9, "minute": 58, "second": 54}
